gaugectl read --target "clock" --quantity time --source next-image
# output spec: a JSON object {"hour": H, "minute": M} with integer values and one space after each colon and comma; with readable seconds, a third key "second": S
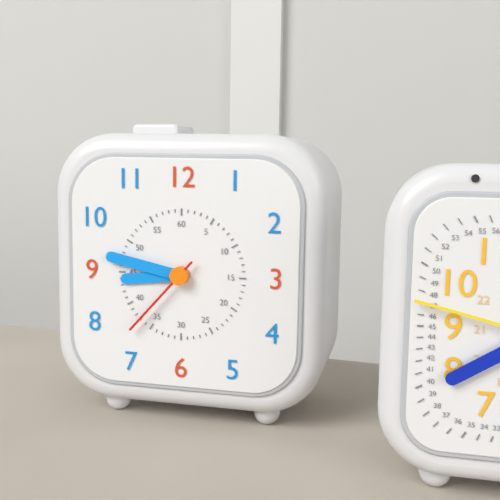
{"hour": 8, "minute": 47, "second": 37}
